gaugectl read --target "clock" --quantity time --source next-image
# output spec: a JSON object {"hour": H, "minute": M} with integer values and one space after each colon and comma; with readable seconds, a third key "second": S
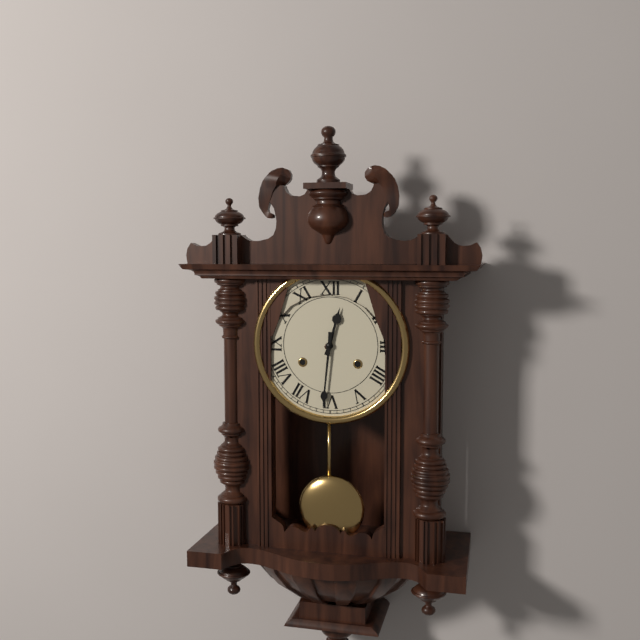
{"hour": 12, "minute": 31}
